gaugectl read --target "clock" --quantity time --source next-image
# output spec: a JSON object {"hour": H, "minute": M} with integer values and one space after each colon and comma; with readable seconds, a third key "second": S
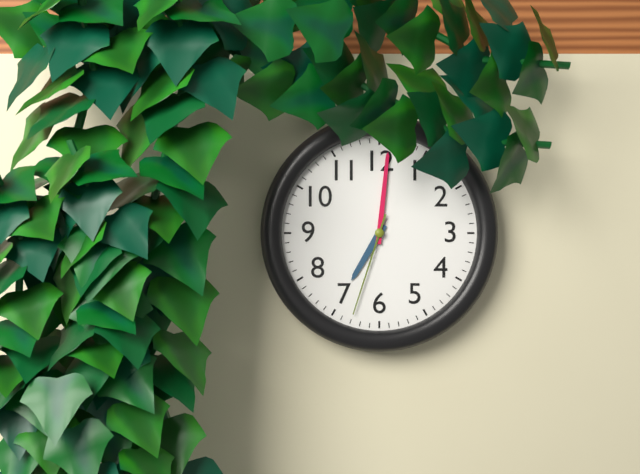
{"hour": 7, "minute": 1, "second": 33}
